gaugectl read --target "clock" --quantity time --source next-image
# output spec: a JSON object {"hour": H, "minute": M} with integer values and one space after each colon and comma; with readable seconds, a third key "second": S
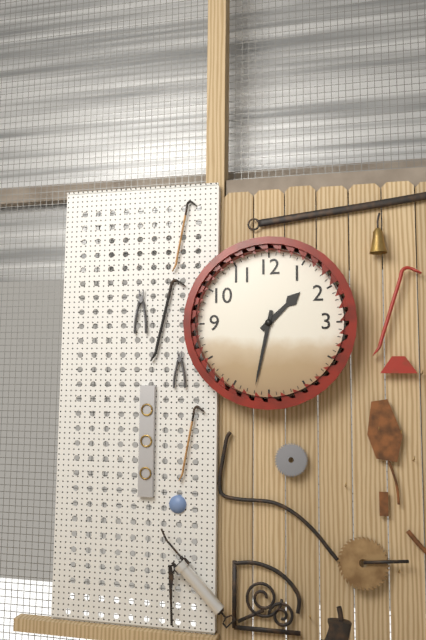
{"hour": 1, "minute": 32}
